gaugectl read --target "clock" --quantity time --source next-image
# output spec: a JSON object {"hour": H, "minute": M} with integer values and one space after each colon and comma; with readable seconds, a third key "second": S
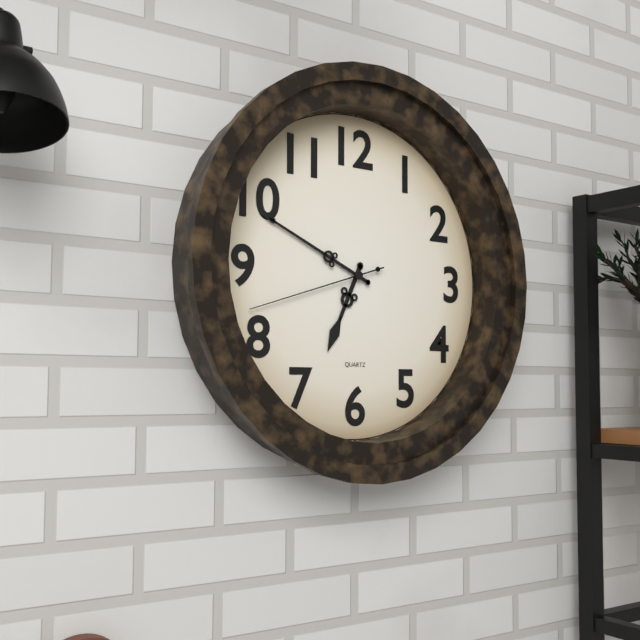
{"hour": 6, "minute": 49, "second": 42}
